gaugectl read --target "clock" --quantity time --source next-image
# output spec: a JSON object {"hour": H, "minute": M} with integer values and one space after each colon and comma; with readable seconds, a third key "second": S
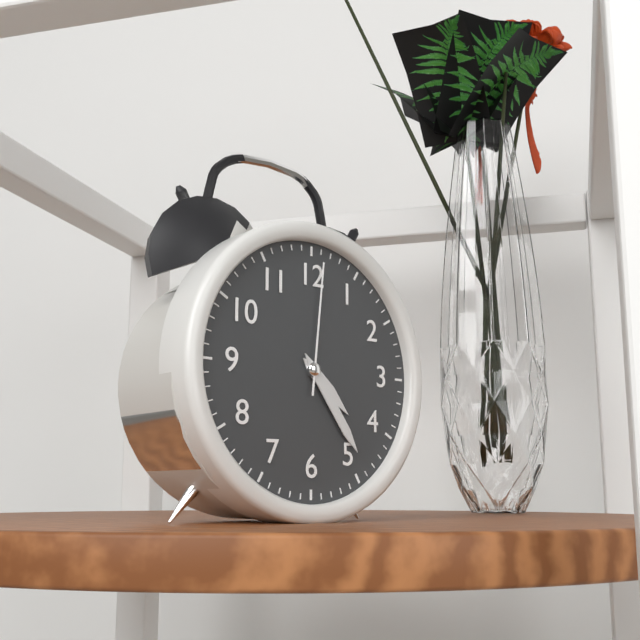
{"hour": 4, "minute": 24, "second": 1}
